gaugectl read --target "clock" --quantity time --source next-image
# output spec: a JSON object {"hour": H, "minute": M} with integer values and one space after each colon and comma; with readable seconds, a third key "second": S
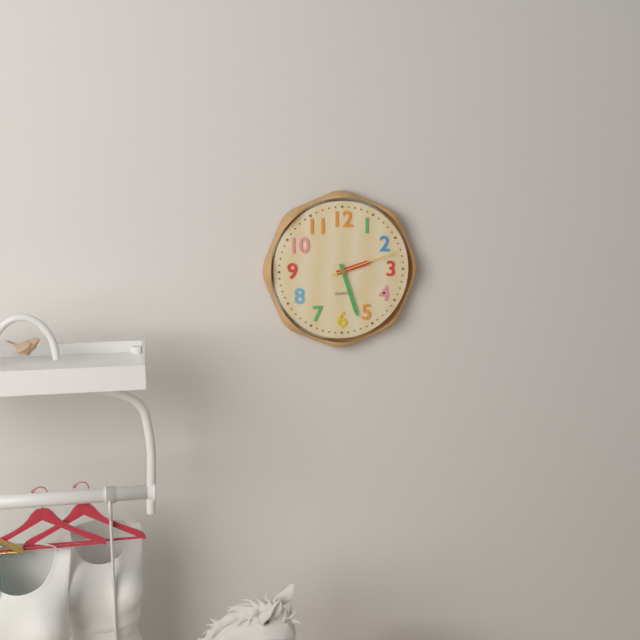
{"hour": 2, "minute": 27, "second": 12}
